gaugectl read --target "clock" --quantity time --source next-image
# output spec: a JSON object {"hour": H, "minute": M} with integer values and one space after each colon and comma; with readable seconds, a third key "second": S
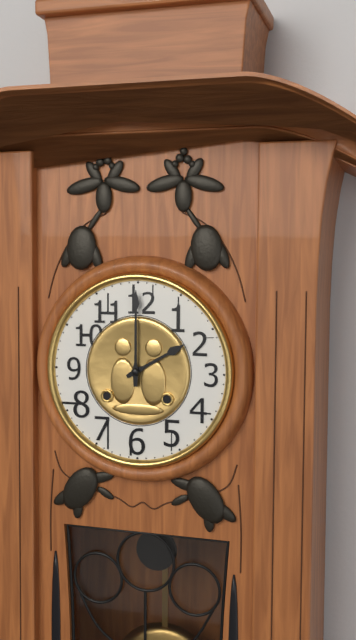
{"hour": 2, "minute": 0}
